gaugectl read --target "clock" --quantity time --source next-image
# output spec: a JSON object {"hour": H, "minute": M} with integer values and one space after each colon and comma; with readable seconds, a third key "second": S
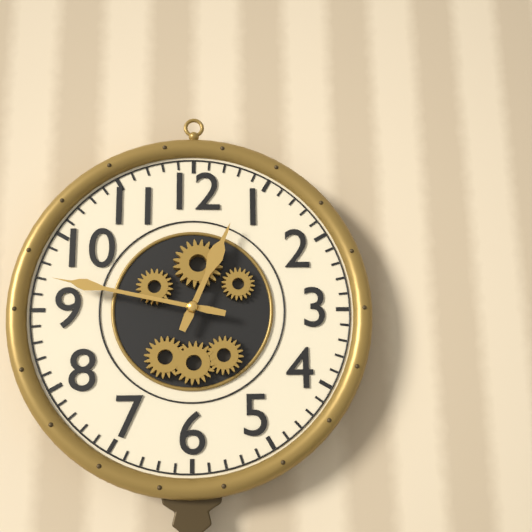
{"hour": 12, "minute": 47}
